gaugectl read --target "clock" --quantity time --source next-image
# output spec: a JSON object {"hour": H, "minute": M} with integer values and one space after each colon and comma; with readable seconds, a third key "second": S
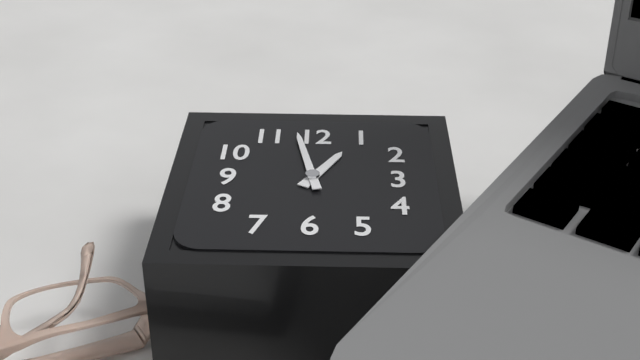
{"hour": 12, "minute": 58}
